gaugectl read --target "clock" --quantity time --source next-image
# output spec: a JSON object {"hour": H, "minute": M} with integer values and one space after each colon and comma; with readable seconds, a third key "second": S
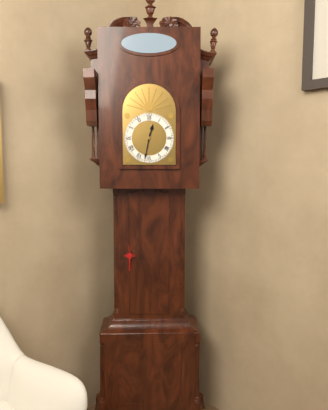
{"hour": 12, "minute": 32}
